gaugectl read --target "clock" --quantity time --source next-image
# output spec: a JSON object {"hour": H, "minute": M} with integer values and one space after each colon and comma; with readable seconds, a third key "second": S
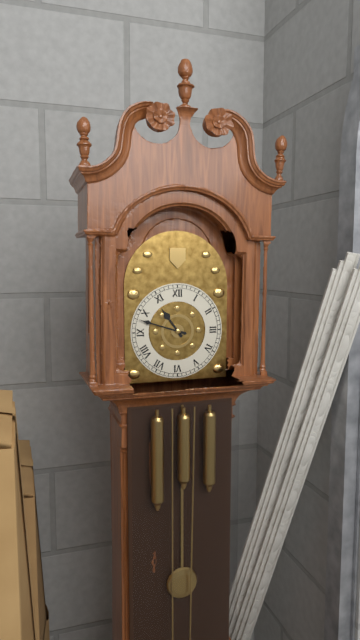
{"hour": 10, "minute": 48}
